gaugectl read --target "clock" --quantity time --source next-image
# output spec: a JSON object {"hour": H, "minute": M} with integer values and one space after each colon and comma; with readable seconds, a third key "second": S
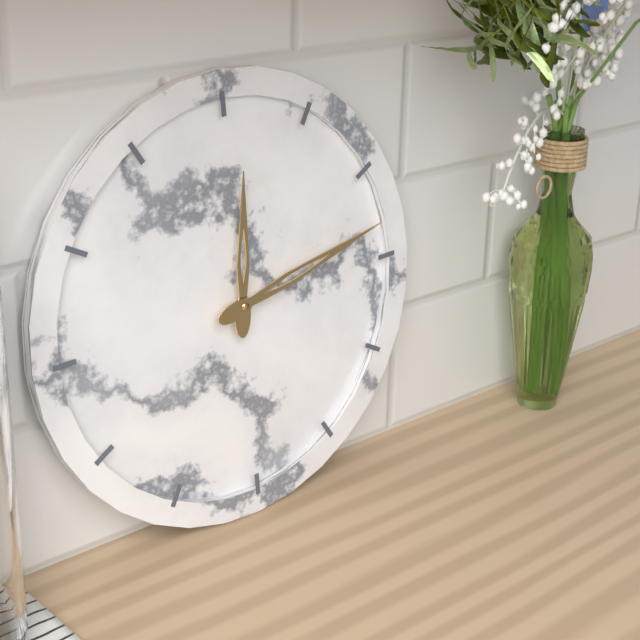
{"hour": 12, "minute": 13}
